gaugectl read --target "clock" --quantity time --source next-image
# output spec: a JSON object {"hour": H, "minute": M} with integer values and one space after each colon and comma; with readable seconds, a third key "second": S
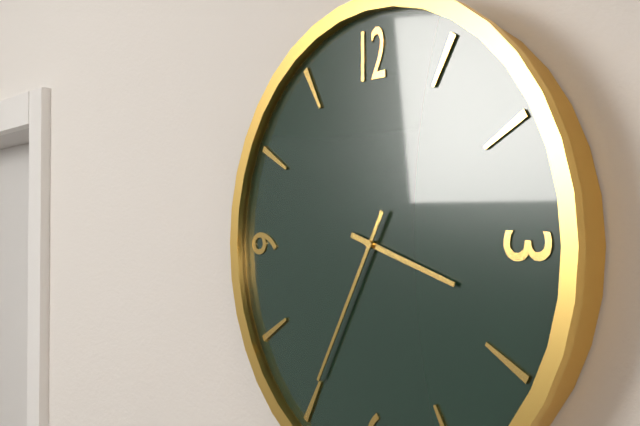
{"hour": 3, "minute": 35}
